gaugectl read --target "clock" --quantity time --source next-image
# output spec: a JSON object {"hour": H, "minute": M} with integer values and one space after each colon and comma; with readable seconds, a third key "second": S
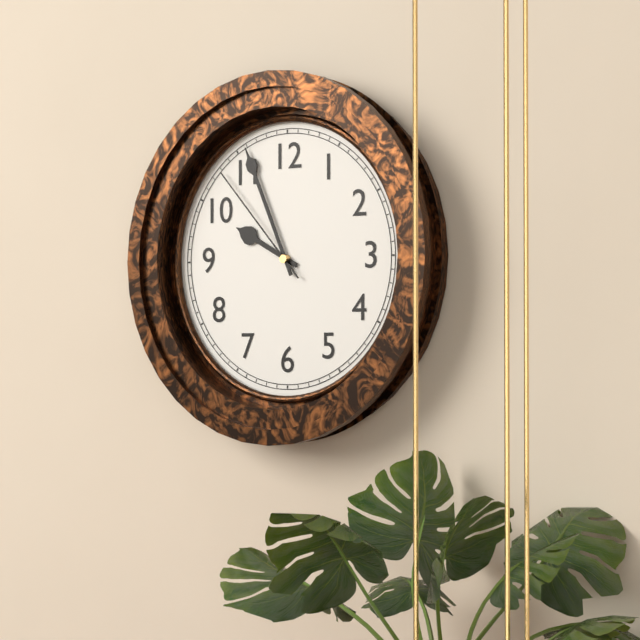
{"hour": 9, "minute": 56, "second": 53}
